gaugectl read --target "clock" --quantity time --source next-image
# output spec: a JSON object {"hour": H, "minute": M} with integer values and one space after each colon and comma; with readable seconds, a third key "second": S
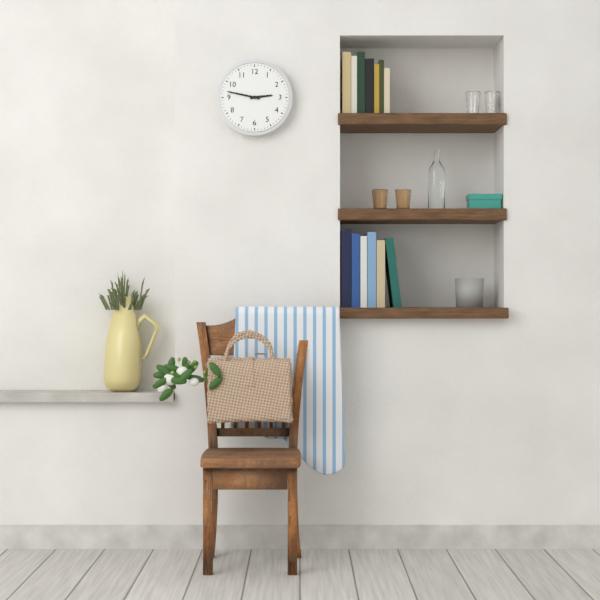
{"hour": 2, "minute": 47}
